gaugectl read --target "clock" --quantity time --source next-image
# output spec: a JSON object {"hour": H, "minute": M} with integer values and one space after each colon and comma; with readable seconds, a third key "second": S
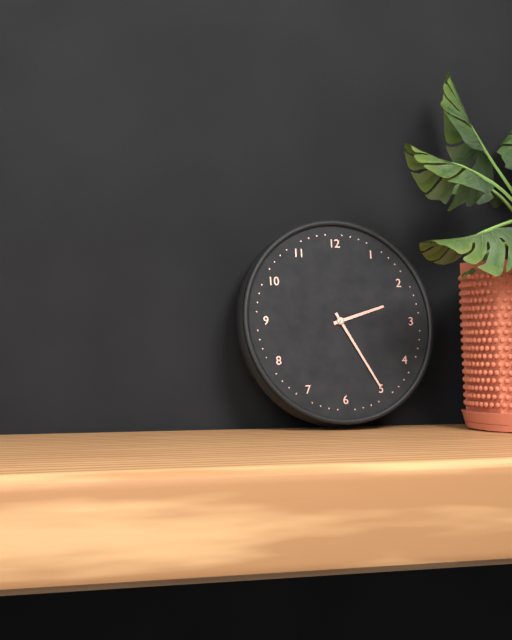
{"hour": 2, "minute": 25}
